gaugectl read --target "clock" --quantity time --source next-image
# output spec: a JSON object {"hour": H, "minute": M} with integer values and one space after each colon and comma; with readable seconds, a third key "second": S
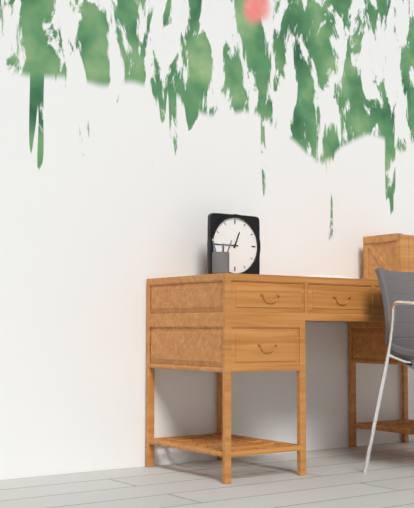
{"hour": 12, "minute": 45}
